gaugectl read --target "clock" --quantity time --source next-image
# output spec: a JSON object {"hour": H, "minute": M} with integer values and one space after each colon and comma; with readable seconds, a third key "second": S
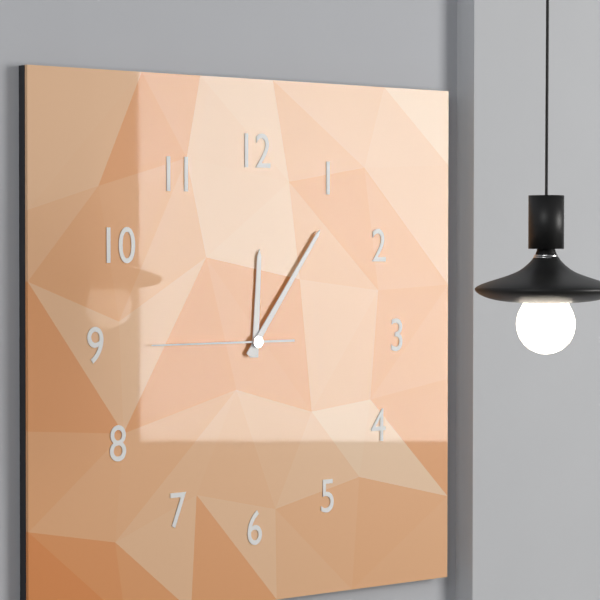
{"hour": 12, "minute": 6, "second": 45}
